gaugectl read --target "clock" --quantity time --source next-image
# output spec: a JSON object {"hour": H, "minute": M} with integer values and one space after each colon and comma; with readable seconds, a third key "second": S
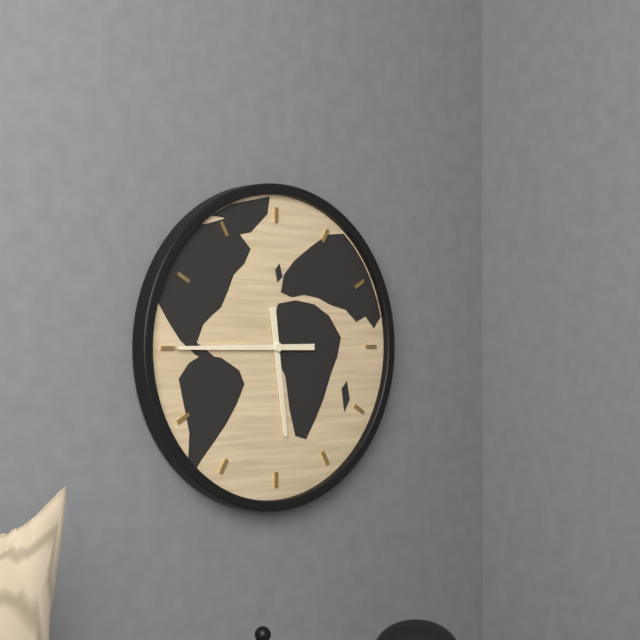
{"hour": 5, "minute": 45}
